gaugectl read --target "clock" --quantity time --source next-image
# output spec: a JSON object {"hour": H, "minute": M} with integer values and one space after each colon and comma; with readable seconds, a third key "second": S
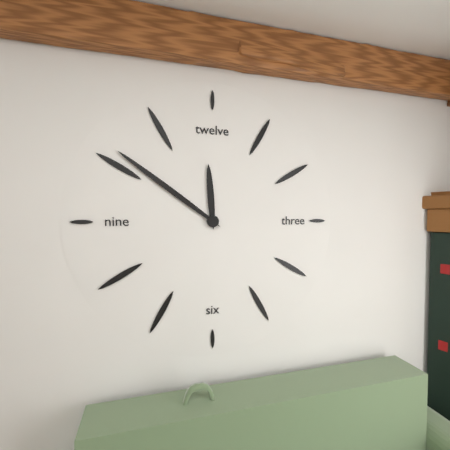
{"hour": 11, "minute": 51}
